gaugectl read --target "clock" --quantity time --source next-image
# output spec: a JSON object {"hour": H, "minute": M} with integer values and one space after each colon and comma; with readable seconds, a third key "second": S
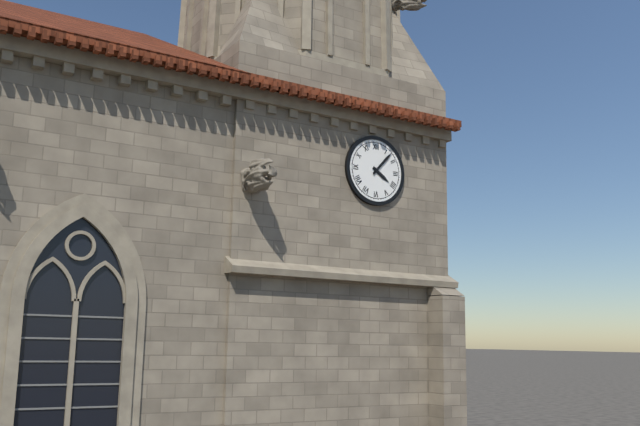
{"hour": 4, "minute": 7}
